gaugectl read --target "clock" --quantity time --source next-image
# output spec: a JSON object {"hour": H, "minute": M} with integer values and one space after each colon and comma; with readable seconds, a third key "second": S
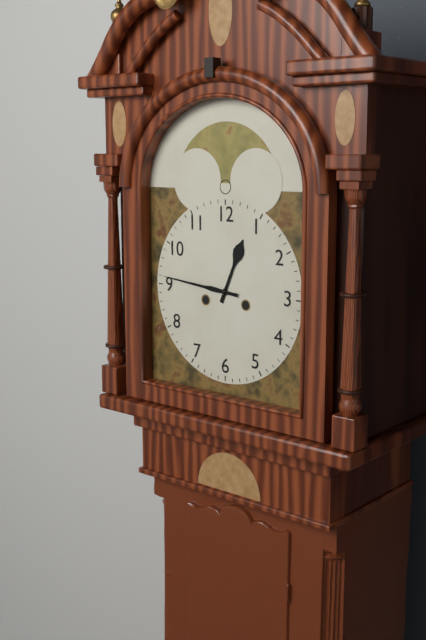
{"hour": 12, "minute": 46}
